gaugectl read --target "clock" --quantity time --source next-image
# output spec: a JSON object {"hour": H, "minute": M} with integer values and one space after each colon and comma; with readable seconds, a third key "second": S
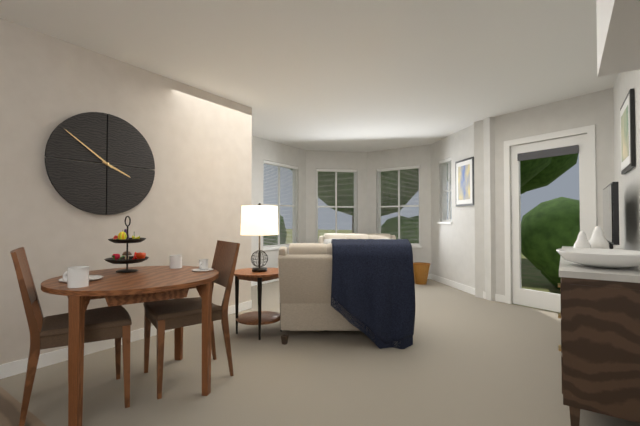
{"hour": 3, "minute": 51}
